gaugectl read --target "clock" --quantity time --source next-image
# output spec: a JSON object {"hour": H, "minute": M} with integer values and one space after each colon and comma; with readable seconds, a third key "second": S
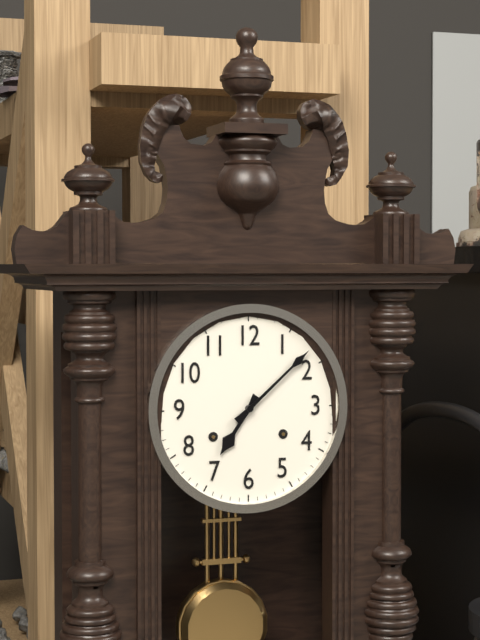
{"hour": 7, "minute": 8}
